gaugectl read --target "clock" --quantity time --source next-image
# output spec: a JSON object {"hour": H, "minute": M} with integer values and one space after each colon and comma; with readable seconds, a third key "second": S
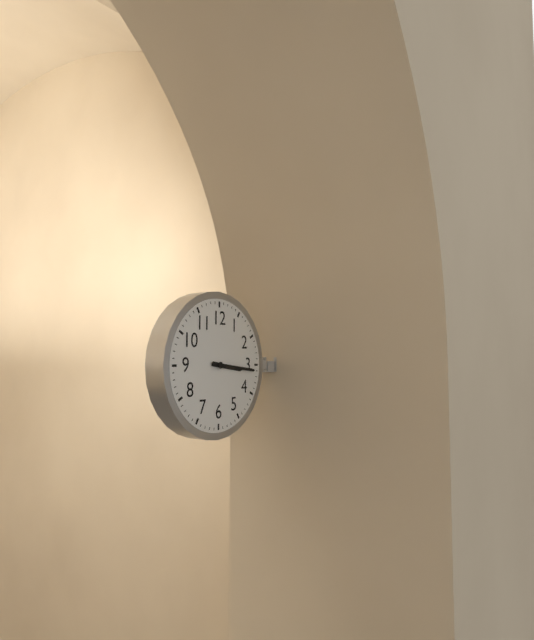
{"hour": 3, "minute": 16}
